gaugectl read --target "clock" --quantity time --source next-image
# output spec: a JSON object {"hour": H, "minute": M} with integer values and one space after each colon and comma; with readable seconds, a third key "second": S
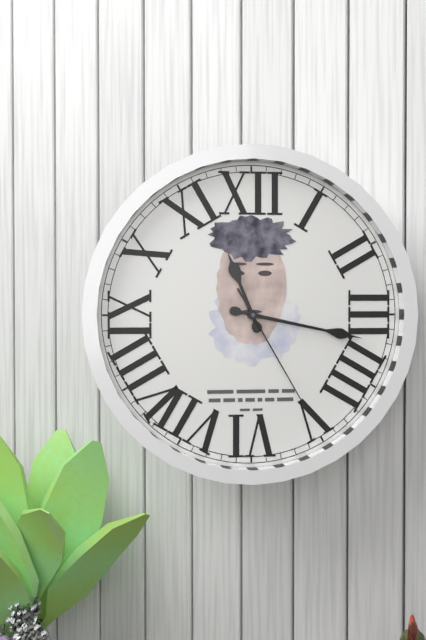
{"hour": 11, "minute": 17, "second": 25}
